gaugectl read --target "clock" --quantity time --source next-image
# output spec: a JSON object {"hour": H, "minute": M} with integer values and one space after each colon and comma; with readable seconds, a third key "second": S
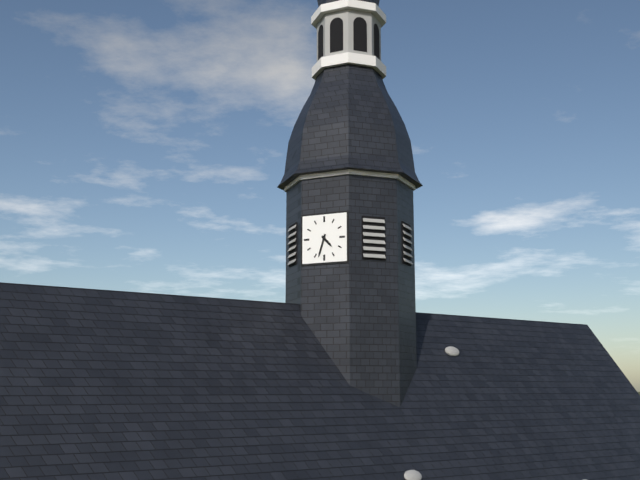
{"hour": 4, "minute": 33}
